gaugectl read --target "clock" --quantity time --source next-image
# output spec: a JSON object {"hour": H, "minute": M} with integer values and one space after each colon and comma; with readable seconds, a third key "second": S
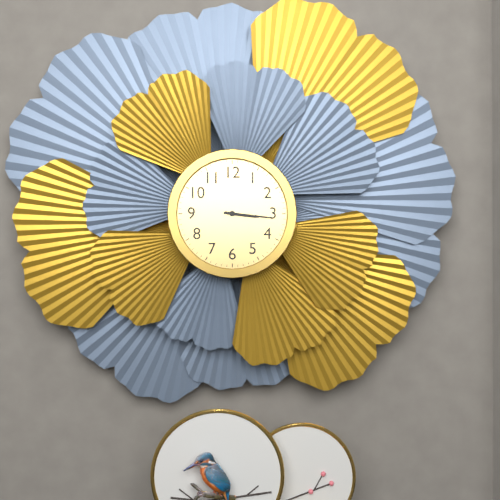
{"hour": 3, "minute": 16}
